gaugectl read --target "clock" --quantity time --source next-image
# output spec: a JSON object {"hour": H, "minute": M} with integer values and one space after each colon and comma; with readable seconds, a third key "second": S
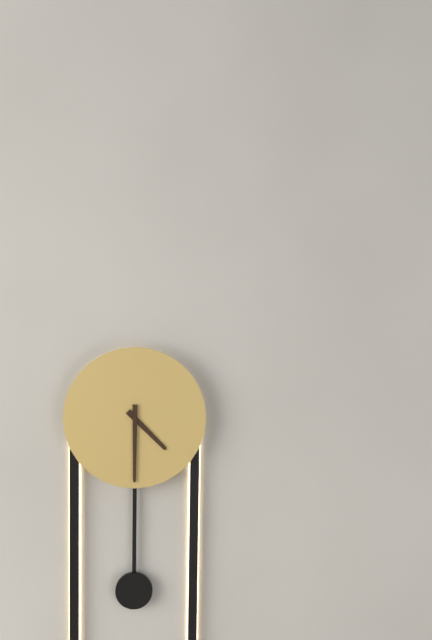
{"hour": 4, "minute": 30}
